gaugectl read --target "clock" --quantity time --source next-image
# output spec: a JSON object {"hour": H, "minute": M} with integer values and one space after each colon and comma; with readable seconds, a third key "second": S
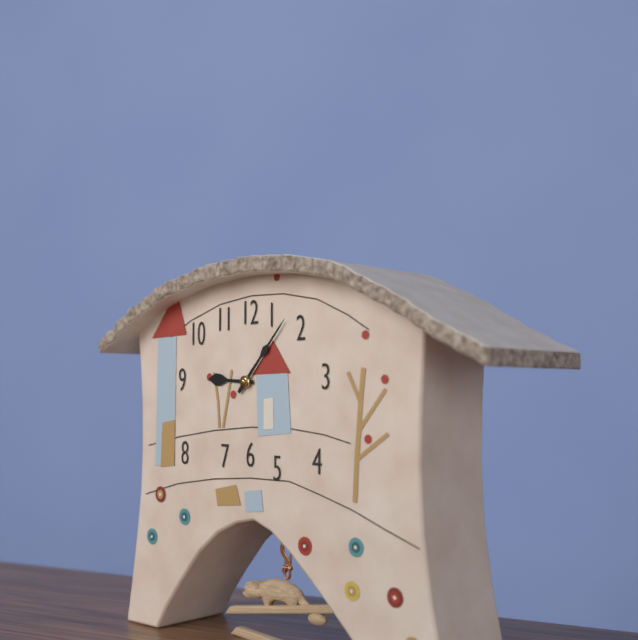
{"hour": 9, "minute": 7}
